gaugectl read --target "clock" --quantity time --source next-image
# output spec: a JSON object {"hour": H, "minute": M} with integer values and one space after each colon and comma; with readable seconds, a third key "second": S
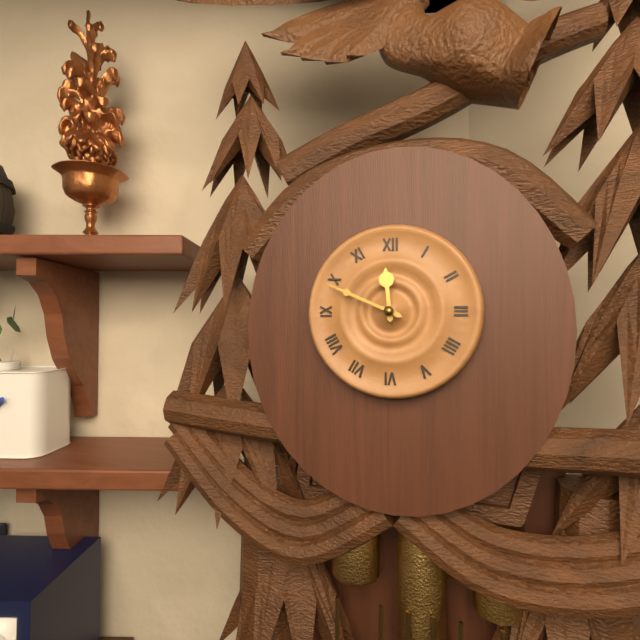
{"hour": 11, "minute": 49}
